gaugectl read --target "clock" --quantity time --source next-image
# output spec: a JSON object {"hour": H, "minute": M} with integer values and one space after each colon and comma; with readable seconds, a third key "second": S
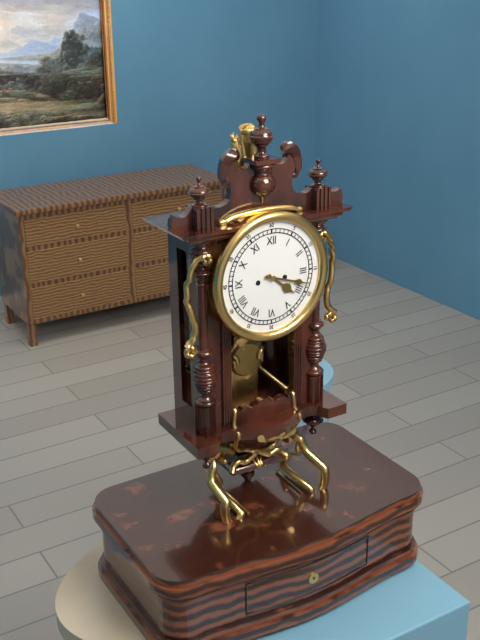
{"hour": 4, "minute": 18}
